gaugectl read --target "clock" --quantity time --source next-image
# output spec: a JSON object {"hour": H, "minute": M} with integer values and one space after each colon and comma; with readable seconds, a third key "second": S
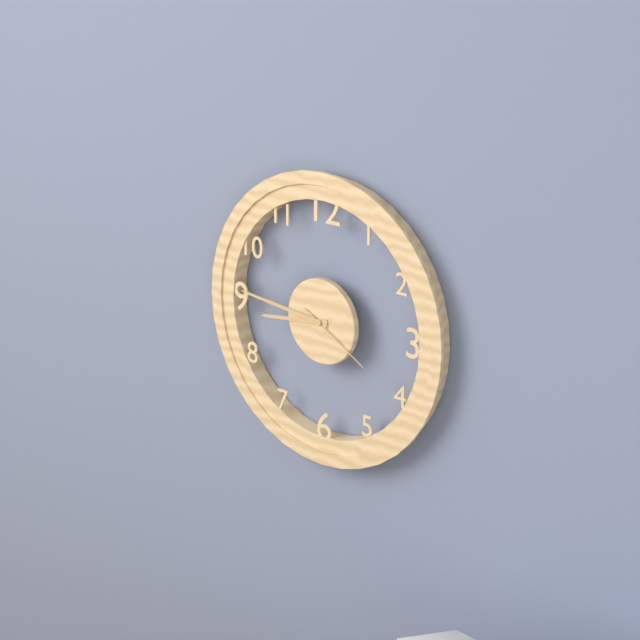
{"hour": 8, "minute": 46, "second": 20}
